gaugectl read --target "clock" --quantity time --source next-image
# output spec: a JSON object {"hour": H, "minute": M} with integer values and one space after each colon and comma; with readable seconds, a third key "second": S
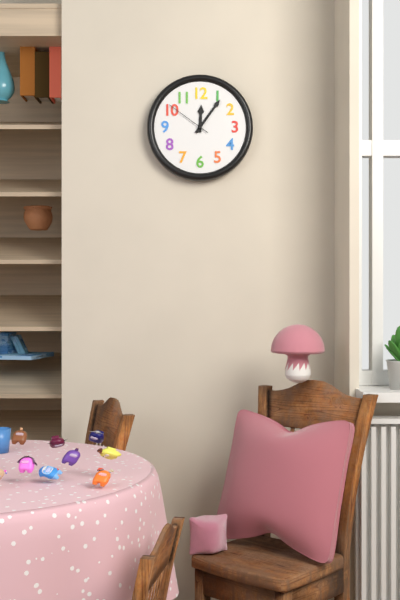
{"hour": 12, "minute": 6}
